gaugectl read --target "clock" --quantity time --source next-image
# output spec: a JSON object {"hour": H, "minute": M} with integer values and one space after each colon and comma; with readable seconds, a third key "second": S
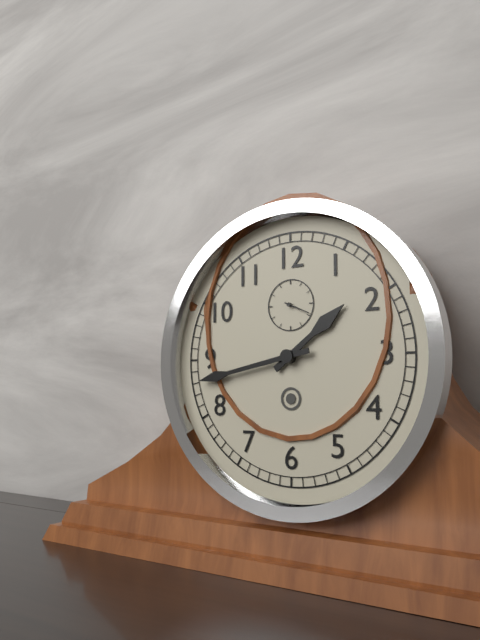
{"hour": 1, "minute": 43}
